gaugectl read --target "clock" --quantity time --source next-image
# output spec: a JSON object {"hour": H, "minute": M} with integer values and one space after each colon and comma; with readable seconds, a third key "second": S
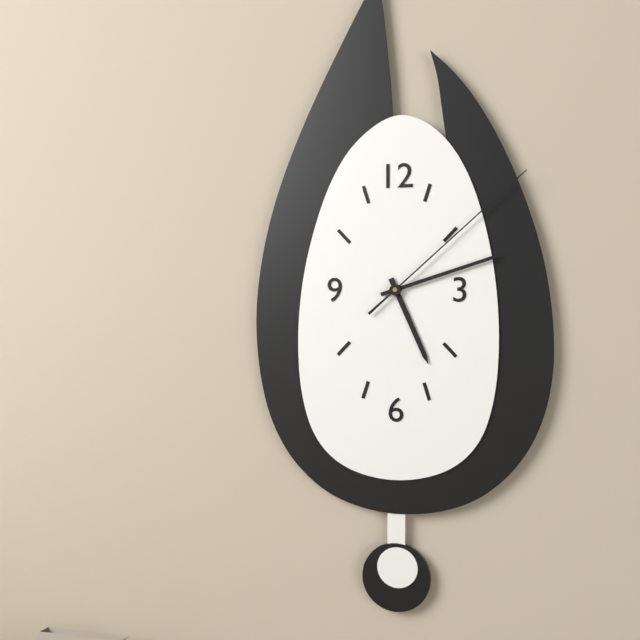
{"hour": 5, "minute": 12, "second": 8}
